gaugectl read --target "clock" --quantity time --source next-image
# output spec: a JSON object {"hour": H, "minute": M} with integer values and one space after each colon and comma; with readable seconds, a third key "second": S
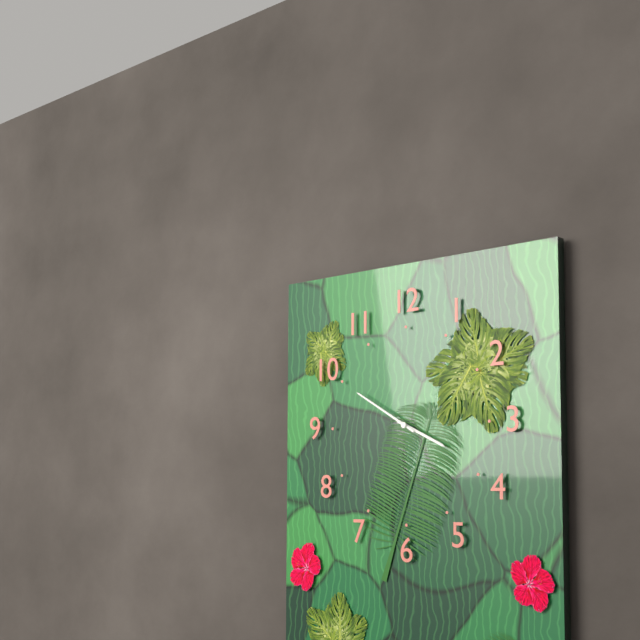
{"hour": 3, "minute": 50}
